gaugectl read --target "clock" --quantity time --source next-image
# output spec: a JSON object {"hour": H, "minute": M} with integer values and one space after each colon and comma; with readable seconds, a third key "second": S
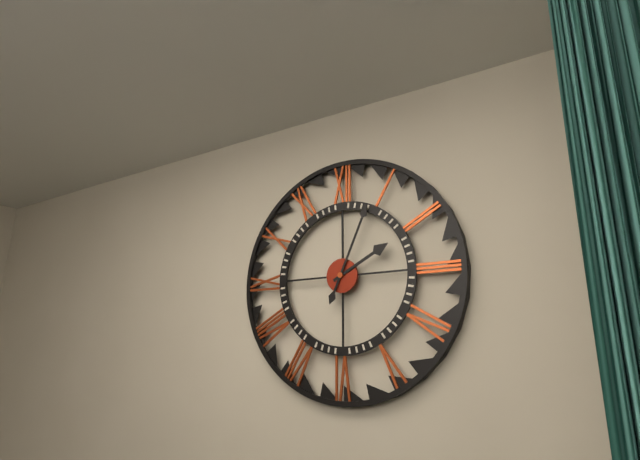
{"hour": 2, "minute": 4}
